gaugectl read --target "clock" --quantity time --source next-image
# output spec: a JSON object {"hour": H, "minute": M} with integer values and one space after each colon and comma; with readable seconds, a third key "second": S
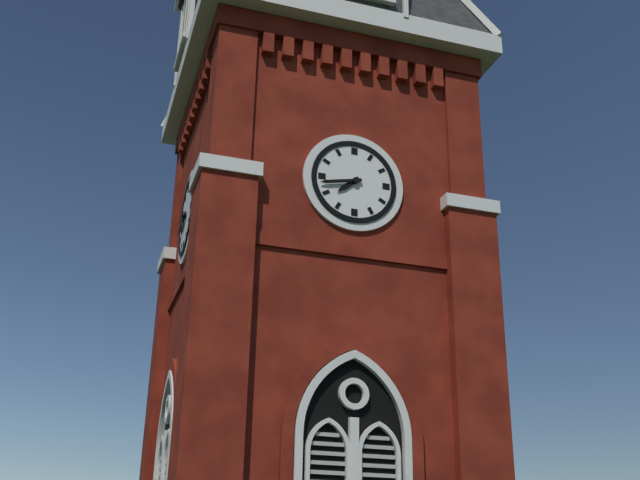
{"hour": 7, "minute": 43}
